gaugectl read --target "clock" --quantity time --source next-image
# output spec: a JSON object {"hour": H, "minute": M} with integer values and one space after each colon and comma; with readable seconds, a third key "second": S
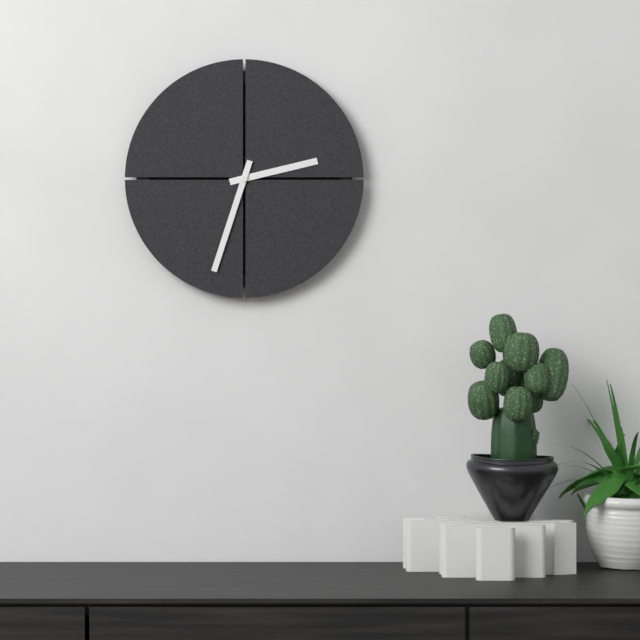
{"hour": 2, "minute": 33}
